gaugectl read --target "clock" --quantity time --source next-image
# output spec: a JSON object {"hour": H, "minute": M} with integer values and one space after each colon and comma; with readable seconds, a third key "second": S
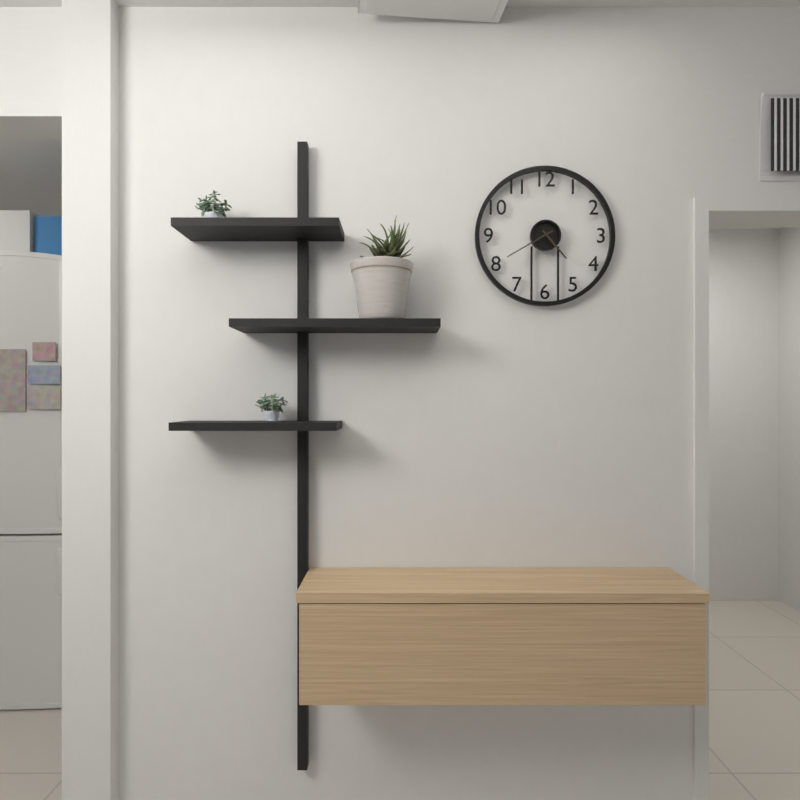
{"hour": 4, "minute": 40}
